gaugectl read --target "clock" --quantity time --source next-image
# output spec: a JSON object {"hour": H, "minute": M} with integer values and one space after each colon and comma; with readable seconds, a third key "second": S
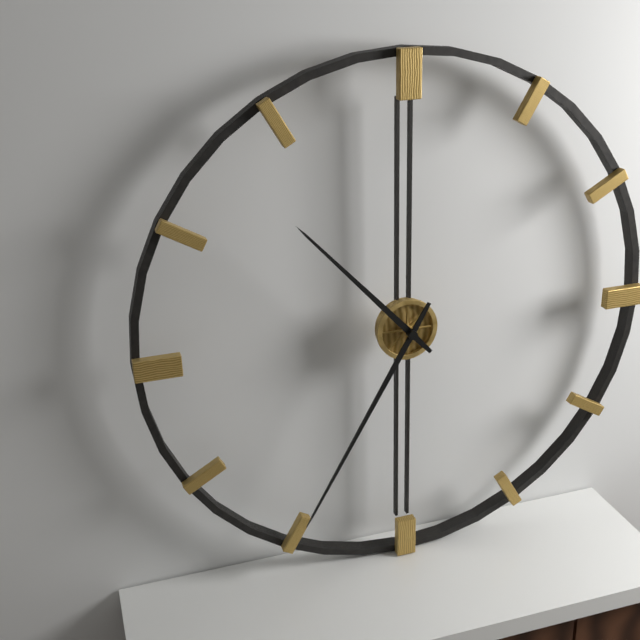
{"hour": 10, "minute": 35}
